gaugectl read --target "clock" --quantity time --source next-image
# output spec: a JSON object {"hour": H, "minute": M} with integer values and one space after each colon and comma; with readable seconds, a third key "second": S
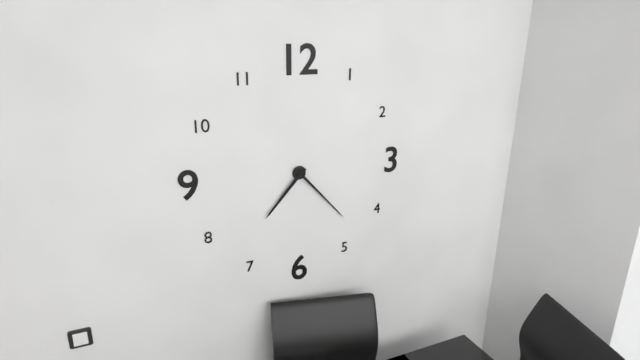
{"hour": 7, "minute": 23}
